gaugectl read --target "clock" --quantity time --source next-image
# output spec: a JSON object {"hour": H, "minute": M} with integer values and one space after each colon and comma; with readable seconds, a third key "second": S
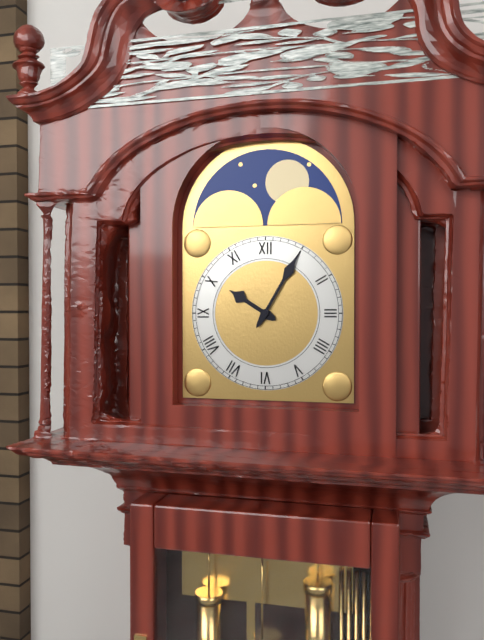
{"hour": 10, "minute": 5}
